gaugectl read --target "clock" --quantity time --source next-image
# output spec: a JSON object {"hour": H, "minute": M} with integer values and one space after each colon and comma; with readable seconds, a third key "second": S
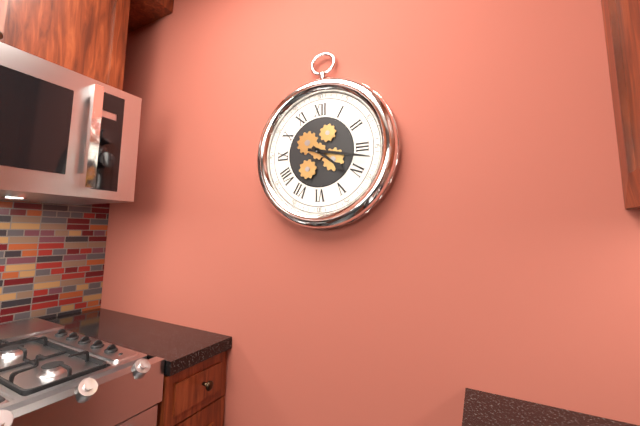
{"hour": 4, "minute": 17}
